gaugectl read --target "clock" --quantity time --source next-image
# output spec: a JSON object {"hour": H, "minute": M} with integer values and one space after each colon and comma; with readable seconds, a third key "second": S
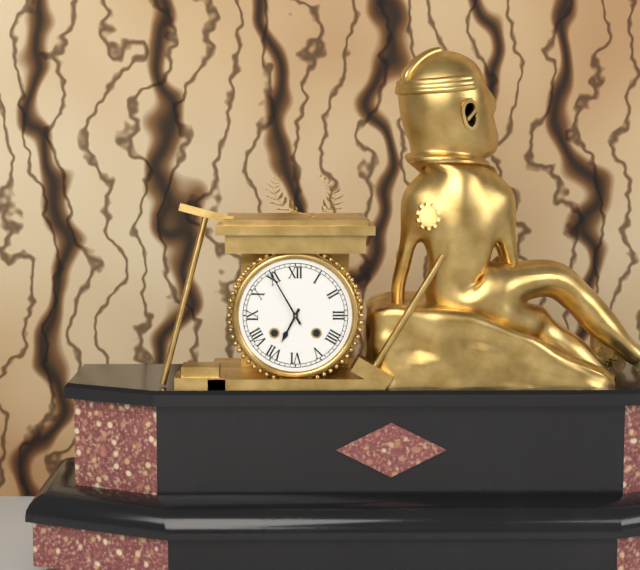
{"hour": 6, "minute": 55}
